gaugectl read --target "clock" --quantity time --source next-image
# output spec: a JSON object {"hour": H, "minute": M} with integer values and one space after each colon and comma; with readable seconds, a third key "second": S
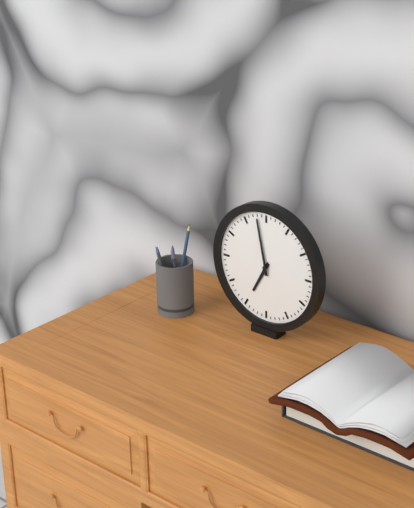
{"hour": 6, "minute": 58}
